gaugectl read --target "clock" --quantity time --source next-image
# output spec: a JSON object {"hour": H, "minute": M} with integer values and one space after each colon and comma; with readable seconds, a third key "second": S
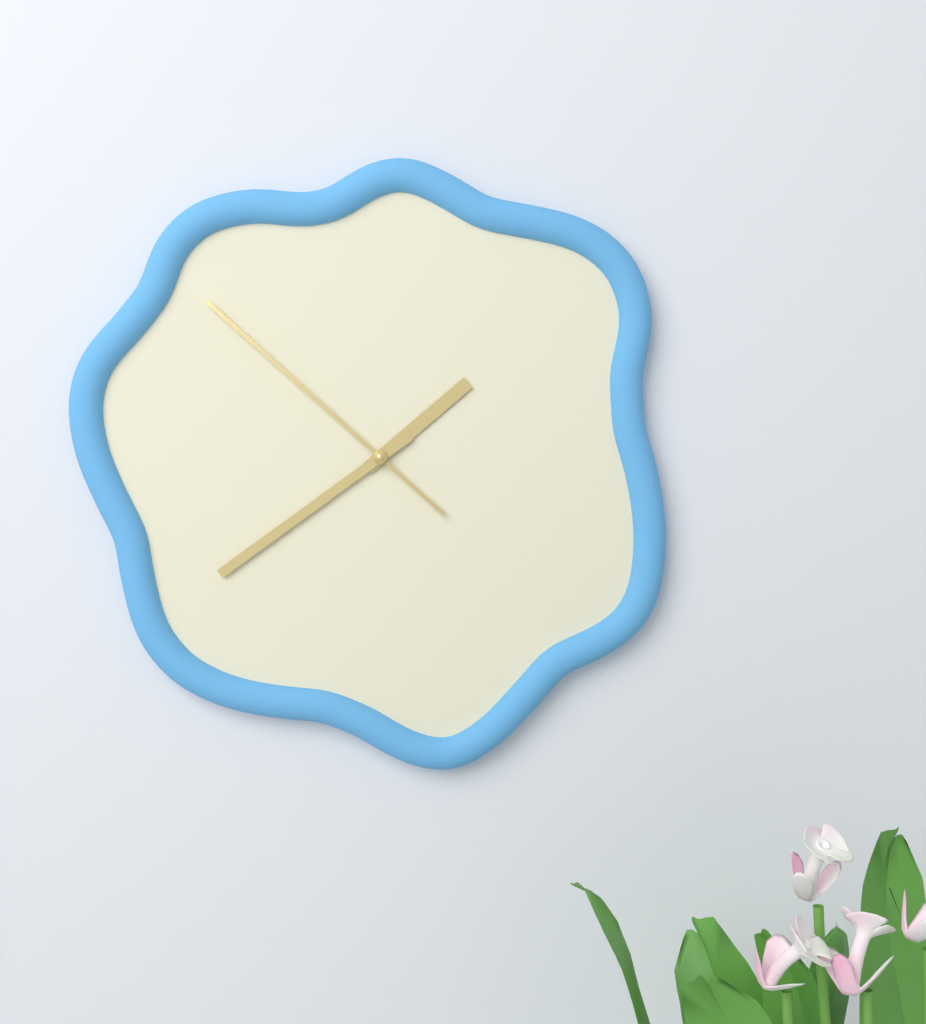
{"hour": 1, "minute": 39, "second": 52}
